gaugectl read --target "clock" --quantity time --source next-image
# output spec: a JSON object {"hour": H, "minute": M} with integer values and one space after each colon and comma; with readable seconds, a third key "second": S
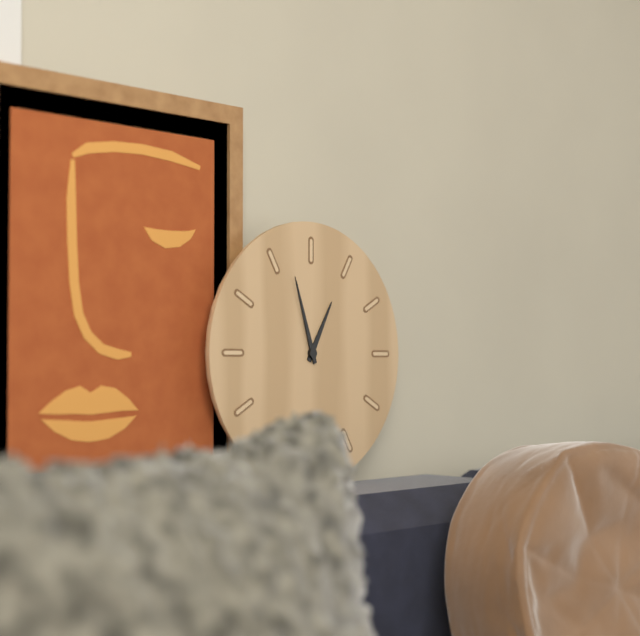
{"hour": 12, "minute": 57}
